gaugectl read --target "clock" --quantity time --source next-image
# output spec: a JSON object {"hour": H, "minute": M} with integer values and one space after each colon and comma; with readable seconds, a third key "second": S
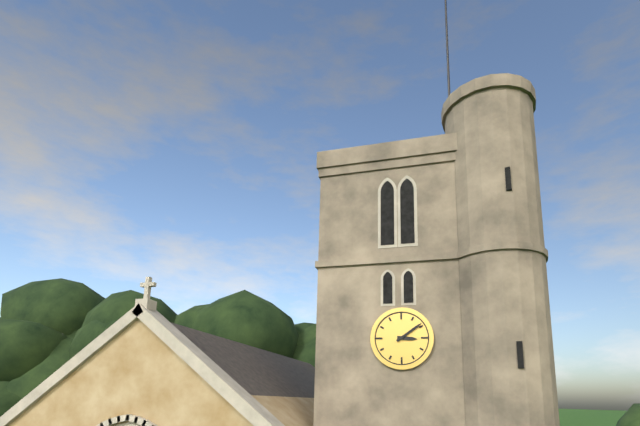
{"hour": 3, "minute": 9}
